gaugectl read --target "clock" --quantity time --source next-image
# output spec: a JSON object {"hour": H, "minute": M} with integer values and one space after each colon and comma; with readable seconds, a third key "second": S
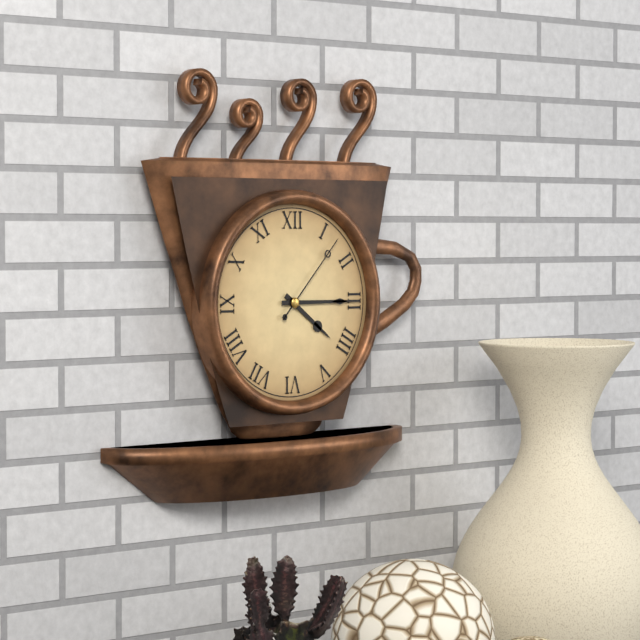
{"hour": 4, "minute": 15, "second": 7}
